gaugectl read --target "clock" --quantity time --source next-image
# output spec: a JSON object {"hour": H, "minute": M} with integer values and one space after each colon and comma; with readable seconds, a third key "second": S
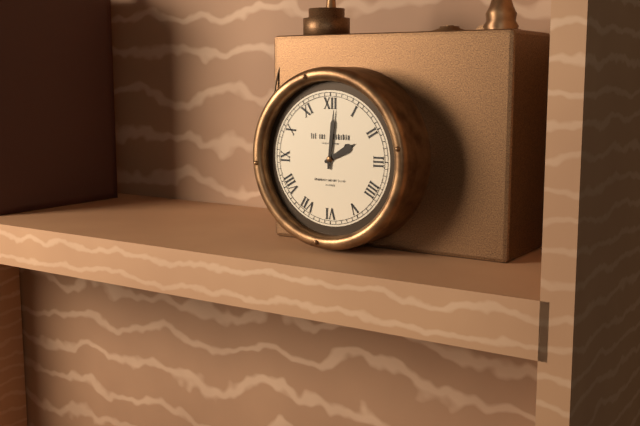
{"hour": 2, "minute": 1}
